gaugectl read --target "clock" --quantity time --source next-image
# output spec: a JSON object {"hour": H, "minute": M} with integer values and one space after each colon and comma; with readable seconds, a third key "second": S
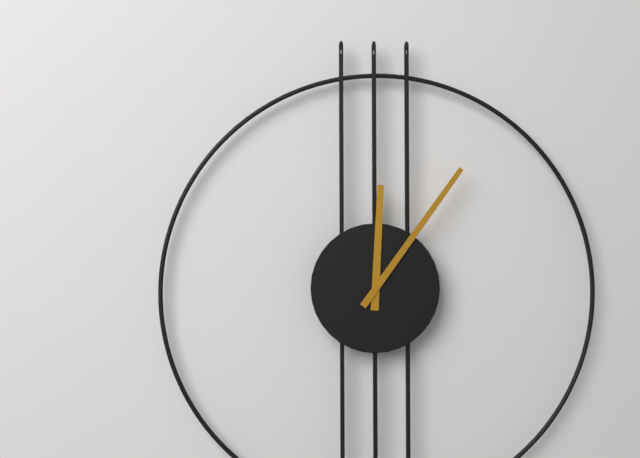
{"hour": 12, "minute": 6}
